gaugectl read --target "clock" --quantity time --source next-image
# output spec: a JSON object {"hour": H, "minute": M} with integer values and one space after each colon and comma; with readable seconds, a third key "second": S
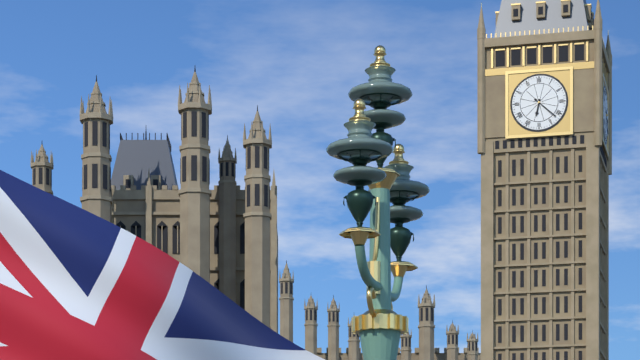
{"hour": 6, "minute": 22}
